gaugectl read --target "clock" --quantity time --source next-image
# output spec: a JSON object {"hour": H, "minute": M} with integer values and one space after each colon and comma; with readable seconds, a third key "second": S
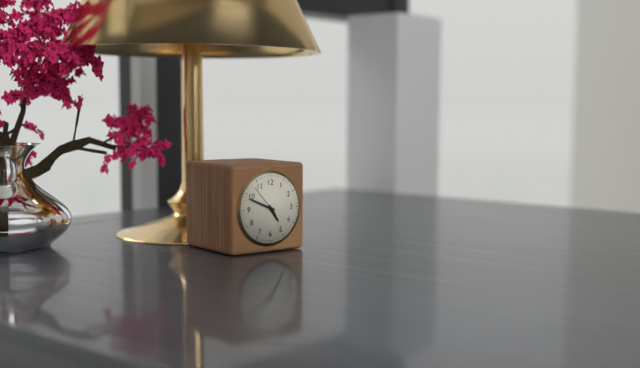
{"hour": 4, "minute": 49}
